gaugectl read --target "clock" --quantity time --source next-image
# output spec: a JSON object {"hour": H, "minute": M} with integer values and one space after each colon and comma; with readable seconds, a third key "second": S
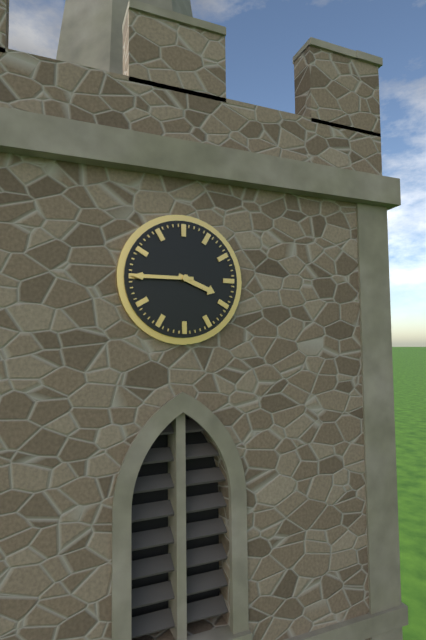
{"hour": 3, "minute": 45}
